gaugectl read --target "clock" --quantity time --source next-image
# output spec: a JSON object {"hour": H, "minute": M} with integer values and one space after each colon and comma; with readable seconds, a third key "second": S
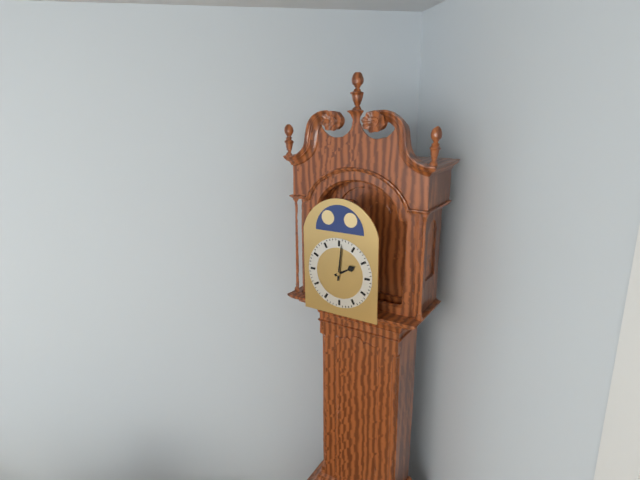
{"hour": 2, "minute": 1}
